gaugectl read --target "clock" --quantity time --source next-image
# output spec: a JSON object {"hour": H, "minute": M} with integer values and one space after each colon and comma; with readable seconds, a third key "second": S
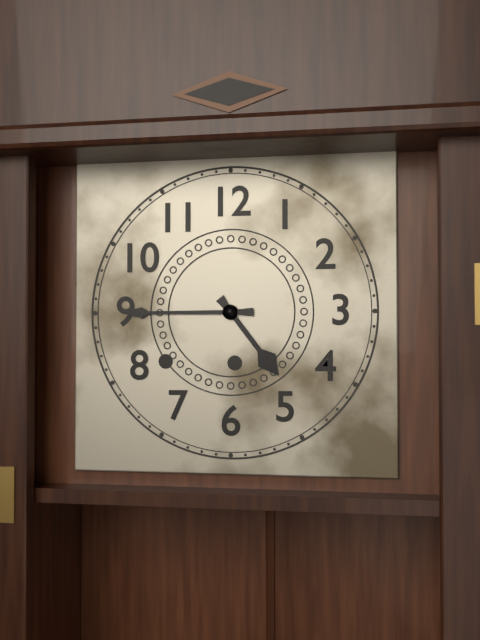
{"hour": 4, "minute": 45}
